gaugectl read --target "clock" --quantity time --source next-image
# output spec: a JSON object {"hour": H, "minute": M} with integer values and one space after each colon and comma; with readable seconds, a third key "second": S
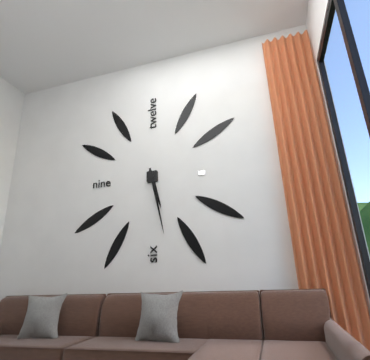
{"hour": 5, "minute": 28}
